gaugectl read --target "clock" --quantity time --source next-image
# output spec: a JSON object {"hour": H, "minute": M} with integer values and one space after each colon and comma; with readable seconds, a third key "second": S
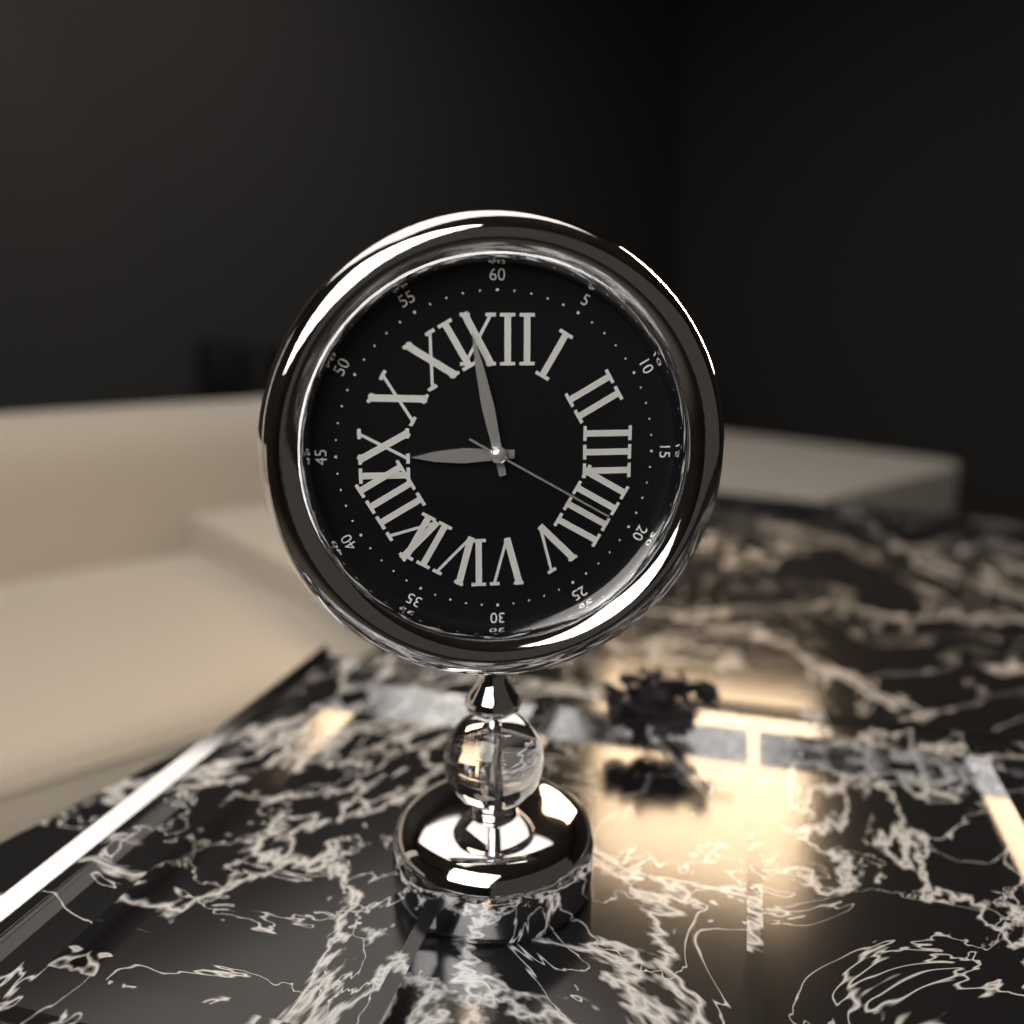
{"hour": 8, "minute": 58, "second": 20}
